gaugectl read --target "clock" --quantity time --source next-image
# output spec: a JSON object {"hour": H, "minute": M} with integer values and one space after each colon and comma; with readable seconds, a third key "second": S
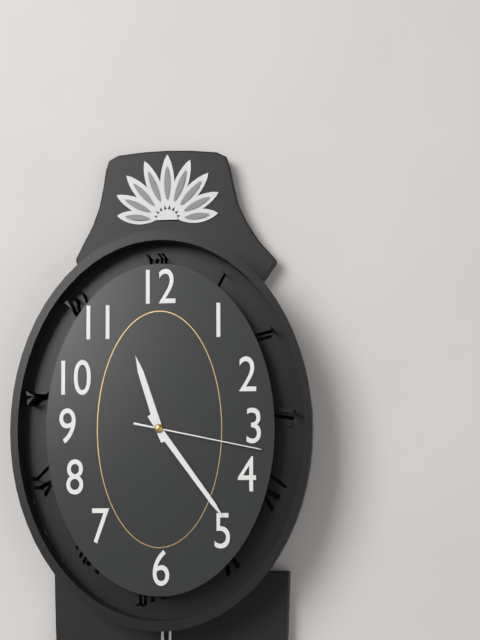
{"hour": 11, "minute": 24, "second": 17}
